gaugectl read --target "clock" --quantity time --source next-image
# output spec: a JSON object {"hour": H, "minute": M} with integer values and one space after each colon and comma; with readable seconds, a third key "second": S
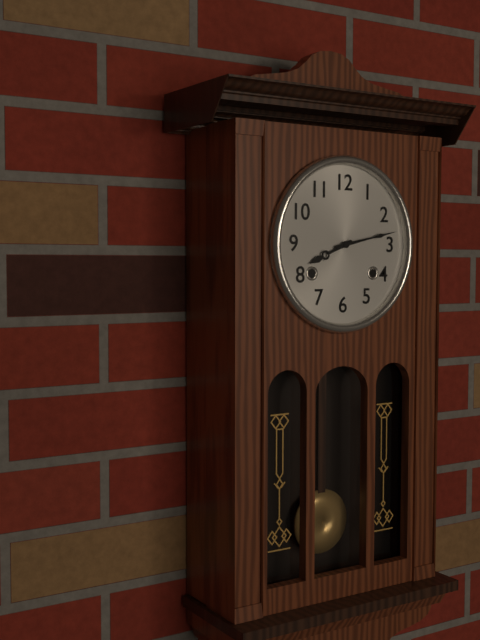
{"hour": 8, "minute": 13}
